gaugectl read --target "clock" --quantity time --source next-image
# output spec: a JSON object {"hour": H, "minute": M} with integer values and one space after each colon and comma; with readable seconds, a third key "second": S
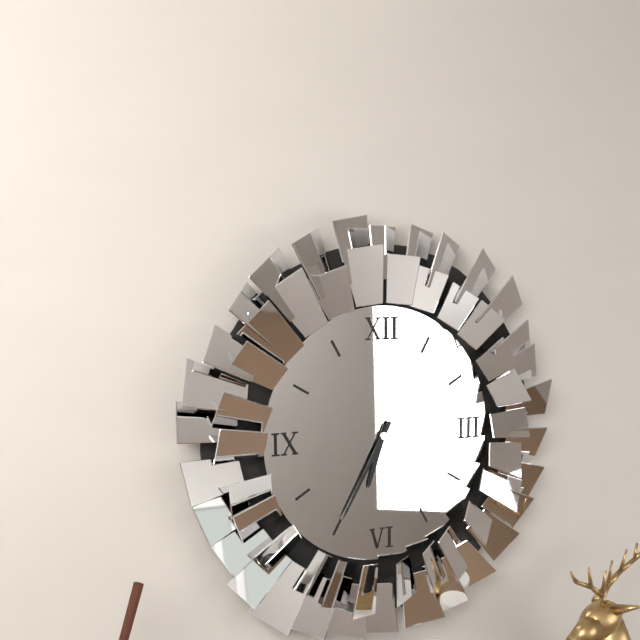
{"hour": 6, "minute": 35}
